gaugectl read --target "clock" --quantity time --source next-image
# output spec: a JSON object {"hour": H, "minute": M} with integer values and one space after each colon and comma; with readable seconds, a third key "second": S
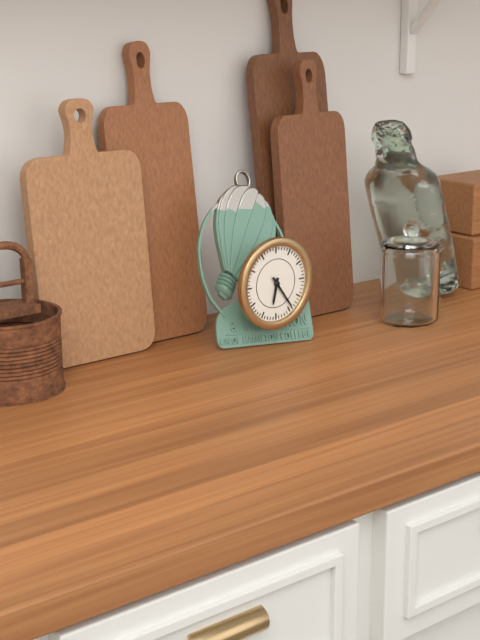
{"hour": 6, "minute": 24}
